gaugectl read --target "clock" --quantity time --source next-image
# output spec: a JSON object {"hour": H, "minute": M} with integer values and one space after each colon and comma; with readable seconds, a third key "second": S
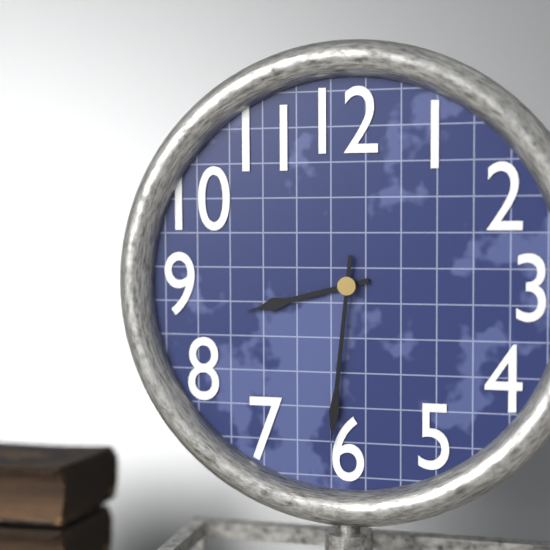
{"hour": 8, "minute": 31}
